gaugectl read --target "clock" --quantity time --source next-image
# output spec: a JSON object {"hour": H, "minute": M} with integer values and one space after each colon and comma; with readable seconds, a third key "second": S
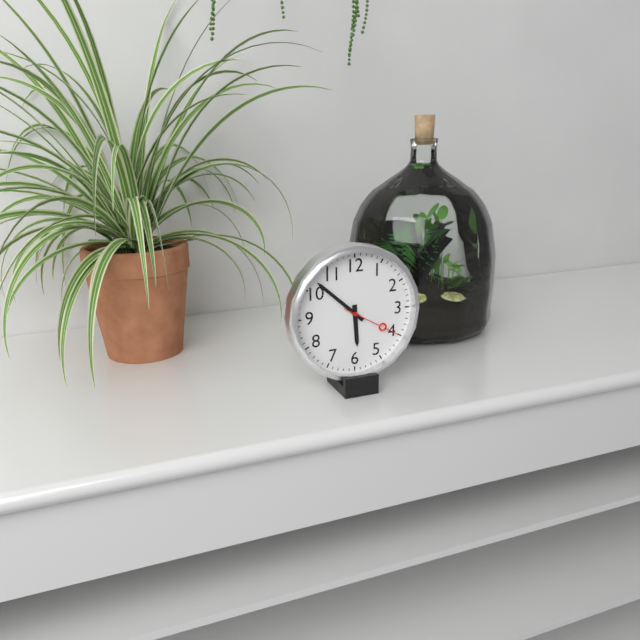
{"hour": 5, "minute": 52, "second": 20}
